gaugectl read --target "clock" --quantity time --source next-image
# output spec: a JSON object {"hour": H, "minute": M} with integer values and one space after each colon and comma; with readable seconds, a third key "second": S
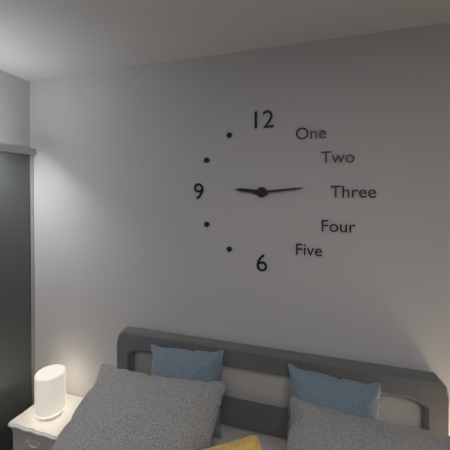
{"hour": 9, "minute": 14}
